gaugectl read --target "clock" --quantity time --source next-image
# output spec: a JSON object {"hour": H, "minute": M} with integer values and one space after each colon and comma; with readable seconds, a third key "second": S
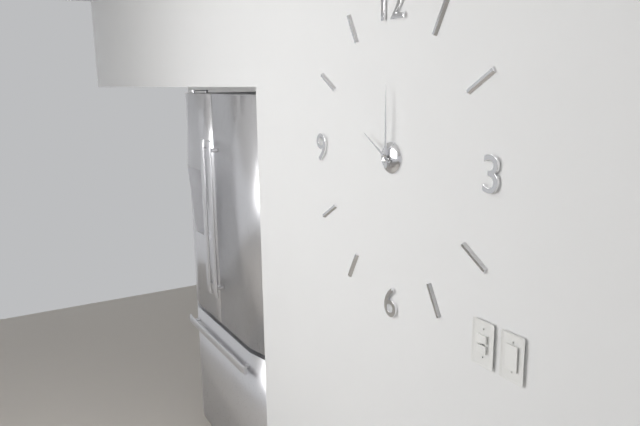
{"hour": 10, "minute": 0}
